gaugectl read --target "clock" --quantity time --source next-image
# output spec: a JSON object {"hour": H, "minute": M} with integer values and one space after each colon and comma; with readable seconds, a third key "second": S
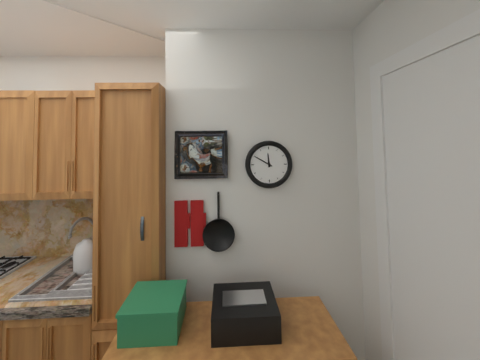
{"hour": 11, "minute": 50}
